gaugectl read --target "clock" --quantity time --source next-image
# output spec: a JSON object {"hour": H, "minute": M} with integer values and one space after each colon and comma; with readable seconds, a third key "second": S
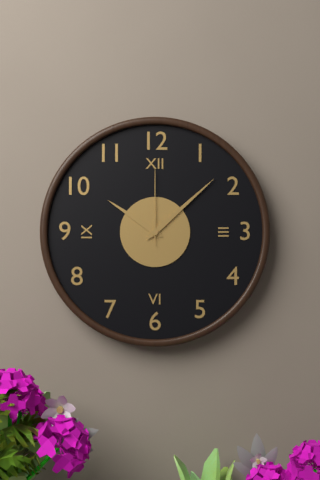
{"hour": 10, "minute": 8, "second": 0}
